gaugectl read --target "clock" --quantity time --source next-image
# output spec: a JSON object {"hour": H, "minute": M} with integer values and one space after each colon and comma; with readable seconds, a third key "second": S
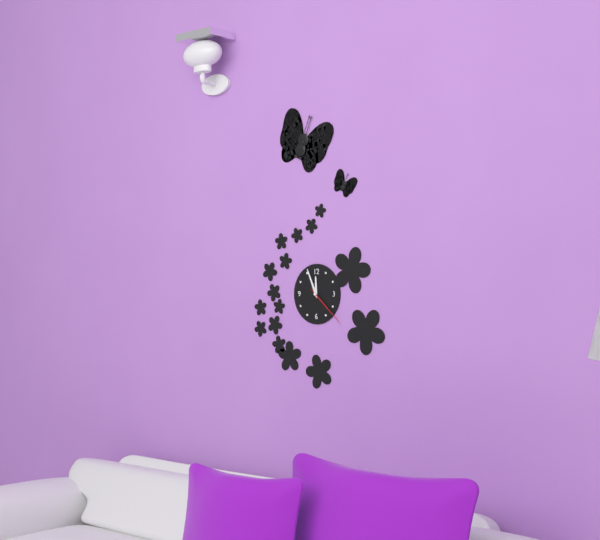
{"hour": 11, "minute": 56}
